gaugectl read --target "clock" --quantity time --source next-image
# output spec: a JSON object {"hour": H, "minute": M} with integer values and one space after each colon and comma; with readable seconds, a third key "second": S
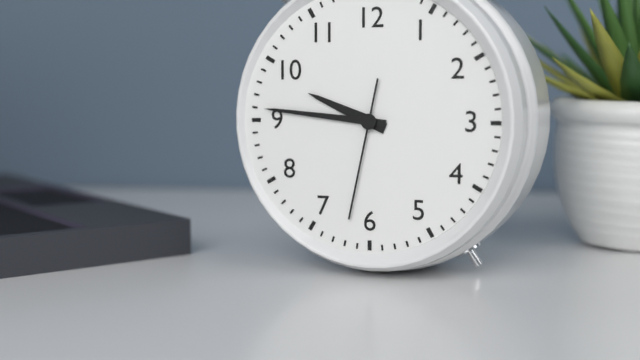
{"hour": 9, "minute": 46, "second": 32}
